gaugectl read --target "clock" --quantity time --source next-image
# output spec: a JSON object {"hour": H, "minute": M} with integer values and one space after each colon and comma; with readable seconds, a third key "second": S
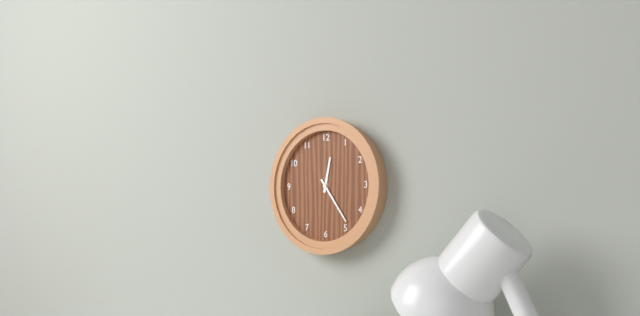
{"hour": 12, "minute": 24}
